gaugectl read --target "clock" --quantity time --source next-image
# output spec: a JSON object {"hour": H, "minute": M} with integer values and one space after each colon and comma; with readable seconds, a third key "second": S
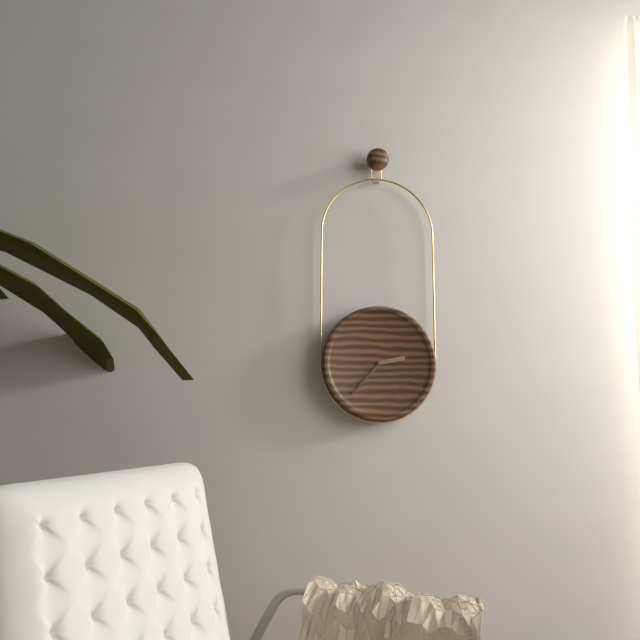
{"hour": 2, "minute": 37}
